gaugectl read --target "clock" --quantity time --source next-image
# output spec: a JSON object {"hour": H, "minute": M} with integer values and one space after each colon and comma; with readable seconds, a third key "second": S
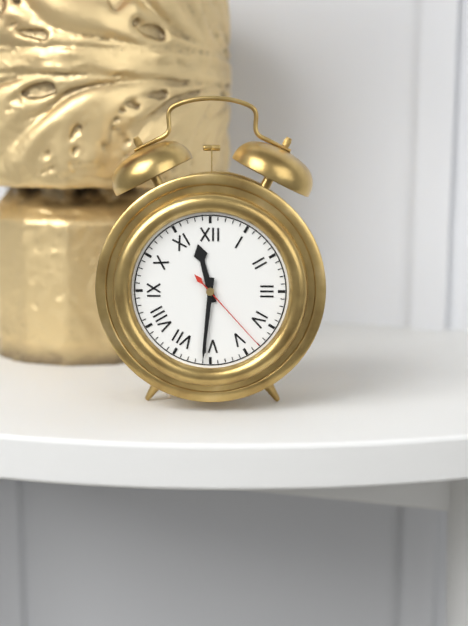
{"hour": 11, "minute": 31, "second": 23}
